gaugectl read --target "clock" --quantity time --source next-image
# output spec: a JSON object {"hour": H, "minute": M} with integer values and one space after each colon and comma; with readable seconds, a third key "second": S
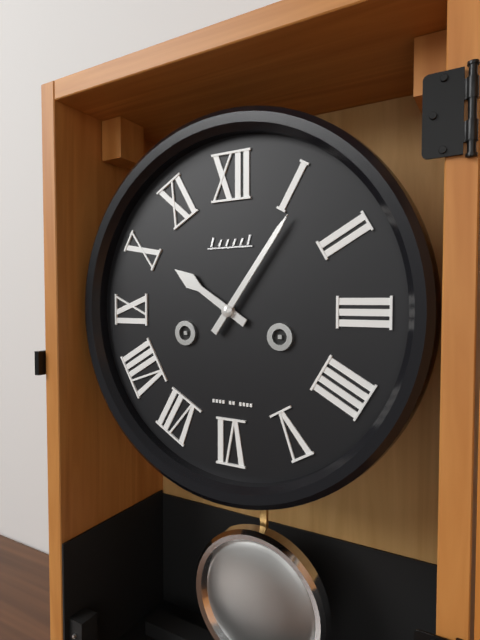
{"hour": 10, "minute": 6}
